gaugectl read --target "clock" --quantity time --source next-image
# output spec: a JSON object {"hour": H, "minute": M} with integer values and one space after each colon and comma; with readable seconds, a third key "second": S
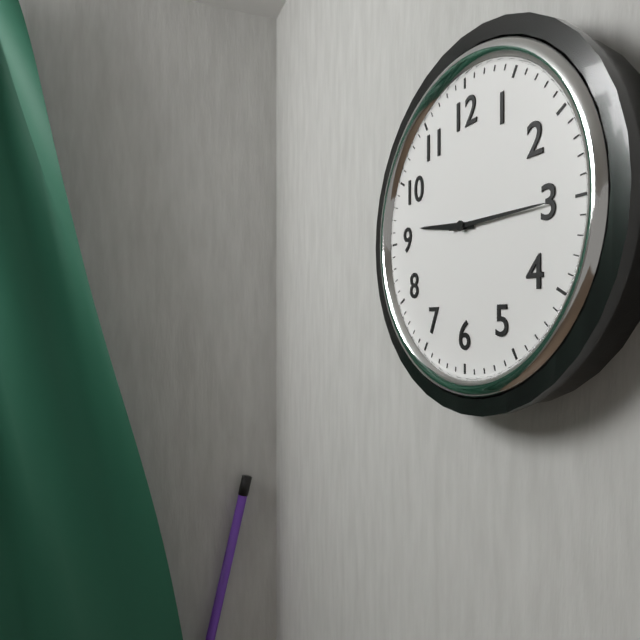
{"hour": 9, "minute": 15}
